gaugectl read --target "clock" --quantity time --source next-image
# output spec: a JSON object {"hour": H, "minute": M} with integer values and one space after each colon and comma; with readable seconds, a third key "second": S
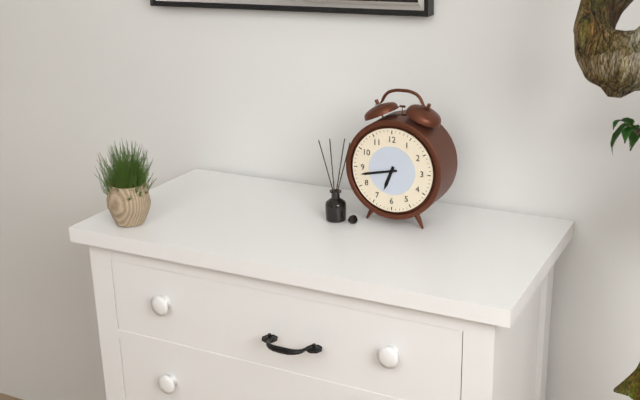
{"hour": 6, "minute": 43}
